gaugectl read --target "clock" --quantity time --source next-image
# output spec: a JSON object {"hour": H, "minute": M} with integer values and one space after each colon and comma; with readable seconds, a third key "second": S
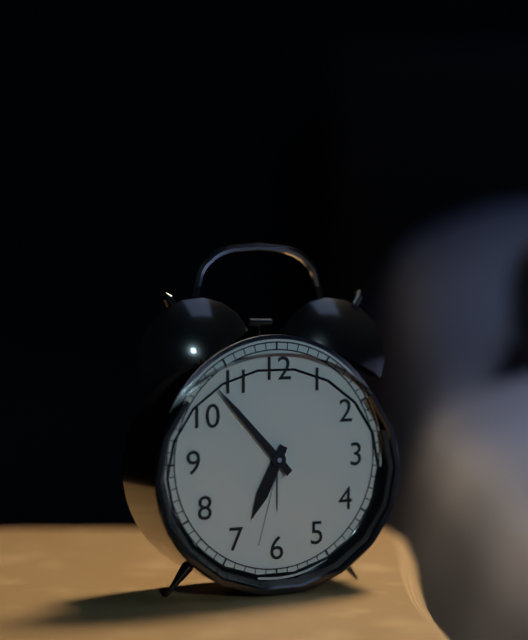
{"hour": 6, "minute": 53}
